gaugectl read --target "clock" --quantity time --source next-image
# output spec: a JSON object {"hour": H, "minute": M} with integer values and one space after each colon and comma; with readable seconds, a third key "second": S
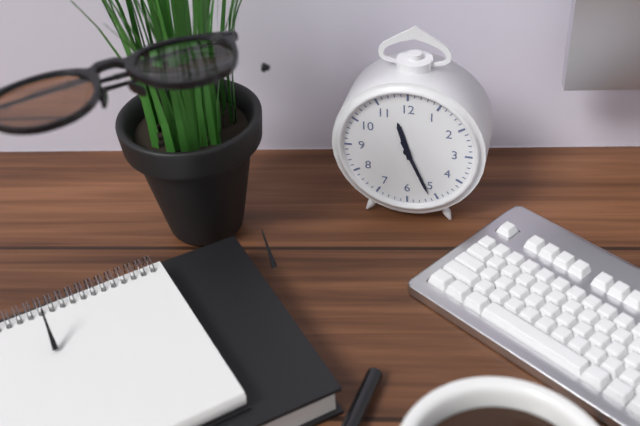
{"hour": 11, "minute": 26}
